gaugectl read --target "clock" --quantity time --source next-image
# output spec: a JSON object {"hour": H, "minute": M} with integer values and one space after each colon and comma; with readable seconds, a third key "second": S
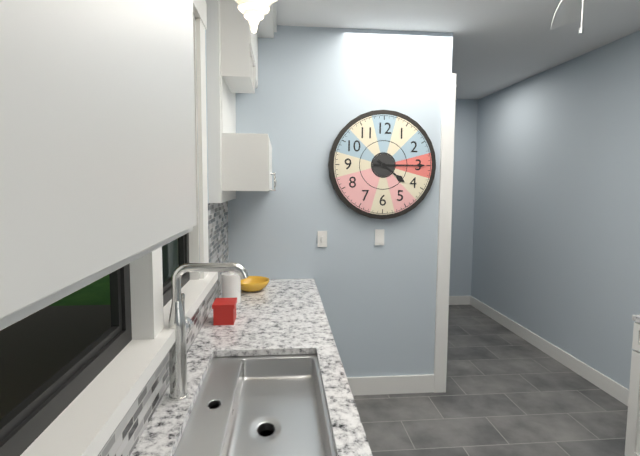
{"hour": 4, "minute": 15}
